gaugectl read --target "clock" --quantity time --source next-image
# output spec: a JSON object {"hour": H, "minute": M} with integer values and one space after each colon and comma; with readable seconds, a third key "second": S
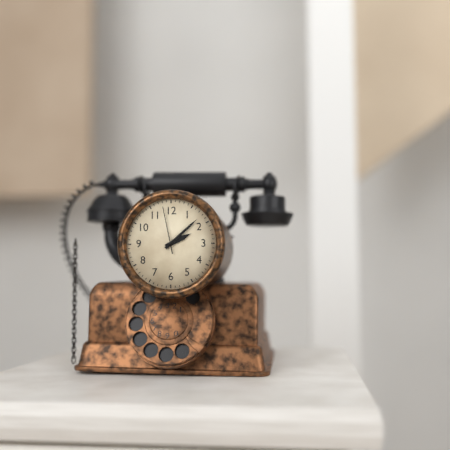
{"hour": 2, "minute": 8}
